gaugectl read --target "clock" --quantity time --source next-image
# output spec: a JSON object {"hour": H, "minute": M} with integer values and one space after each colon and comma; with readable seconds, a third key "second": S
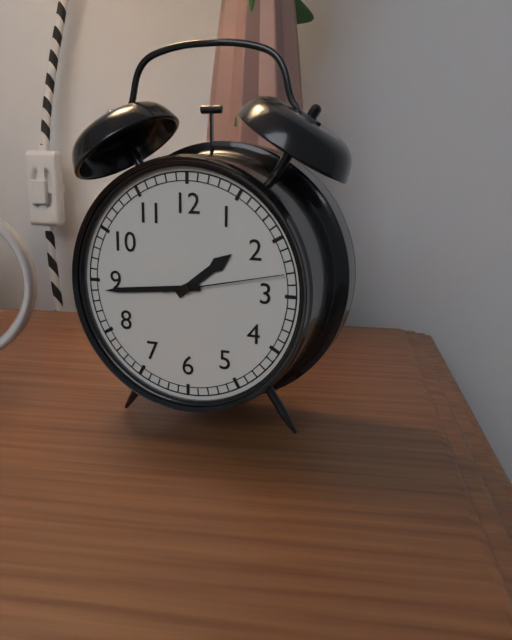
{"hour": 1, "minute": 44, "second": 13}
